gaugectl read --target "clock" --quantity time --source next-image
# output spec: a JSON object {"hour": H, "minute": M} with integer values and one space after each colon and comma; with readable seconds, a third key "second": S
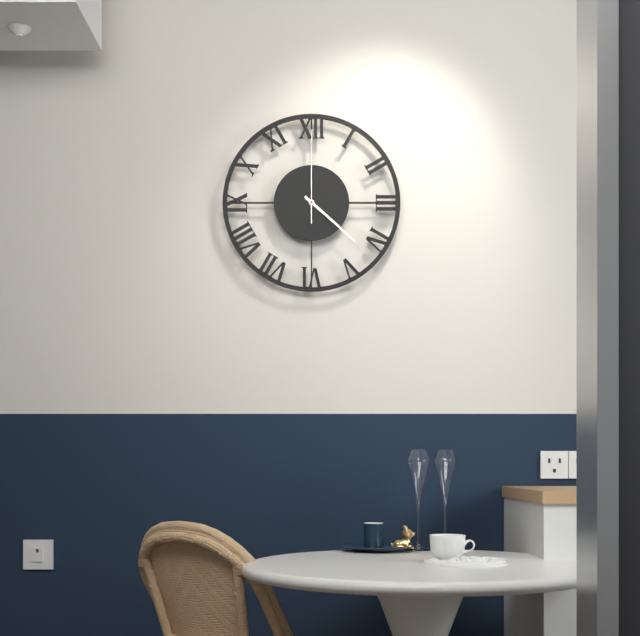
{"hour": 4, "minute": 22, "second": 0}
